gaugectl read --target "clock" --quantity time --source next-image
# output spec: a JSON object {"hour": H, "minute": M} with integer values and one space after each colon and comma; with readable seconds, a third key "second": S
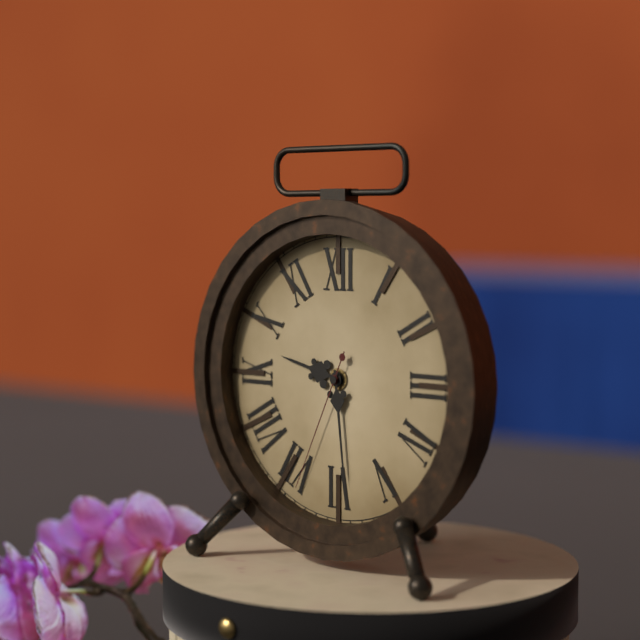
{"hour": 9, "minute": 29, "second": 34}
